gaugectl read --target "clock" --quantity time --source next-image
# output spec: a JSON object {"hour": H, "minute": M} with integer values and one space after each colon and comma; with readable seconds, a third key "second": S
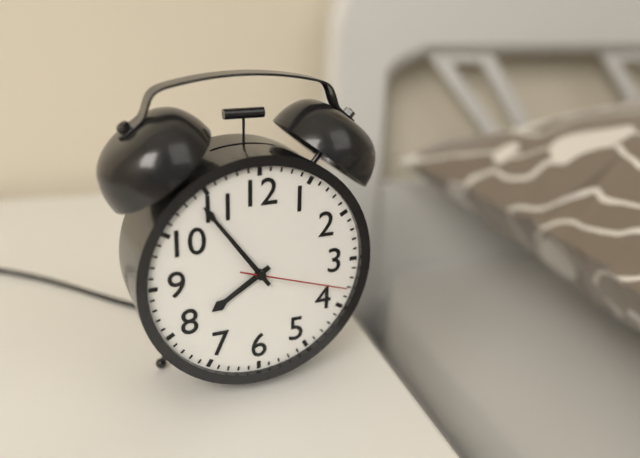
{"hour": 7, "minute": 54, "second": 18}
